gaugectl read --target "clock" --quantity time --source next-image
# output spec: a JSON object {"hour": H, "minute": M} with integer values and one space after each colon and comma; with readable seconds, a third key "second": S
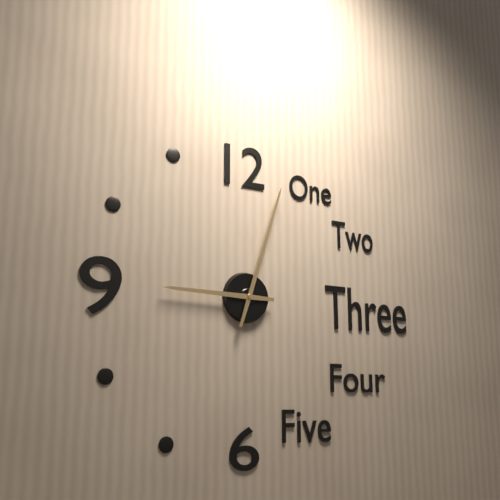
{"hour": 9, "minute": 3}
